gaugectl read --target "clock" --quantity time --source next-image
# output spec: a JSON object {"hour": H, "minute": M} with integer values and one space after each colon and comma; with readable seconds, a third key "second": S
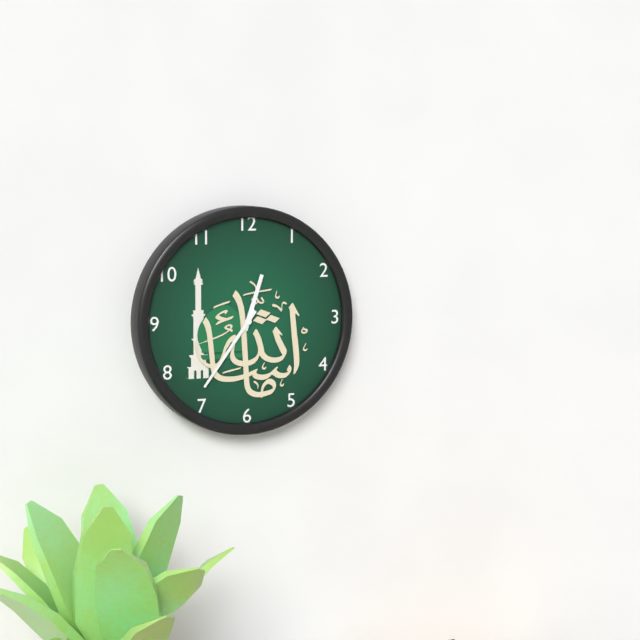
{"hour": 12, "minute": 36}
